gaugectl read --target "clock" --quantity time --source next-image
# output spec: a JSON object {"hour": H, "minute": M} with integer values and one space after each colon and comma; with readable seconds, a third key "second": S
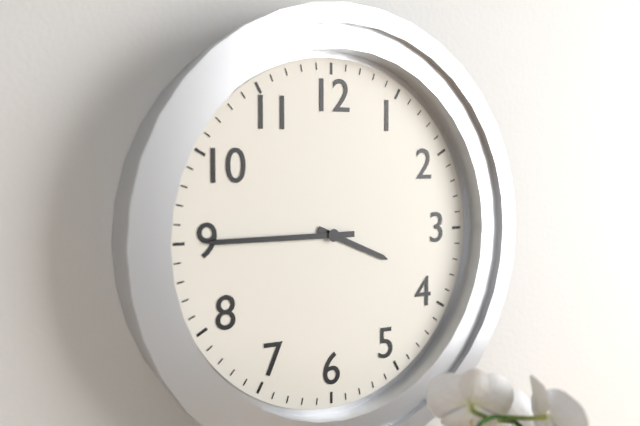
{"hour": 3, "minute": 45}
